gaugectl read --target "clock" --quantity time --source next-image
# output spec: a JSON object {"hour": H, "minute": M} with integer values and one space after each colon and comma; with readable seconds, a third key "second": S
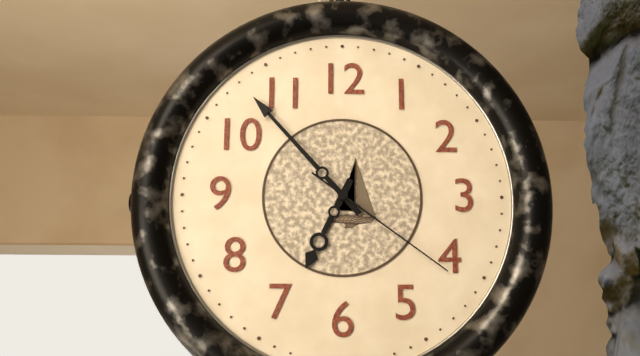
{"hour": 6, "minute": 53, "second": 21}
